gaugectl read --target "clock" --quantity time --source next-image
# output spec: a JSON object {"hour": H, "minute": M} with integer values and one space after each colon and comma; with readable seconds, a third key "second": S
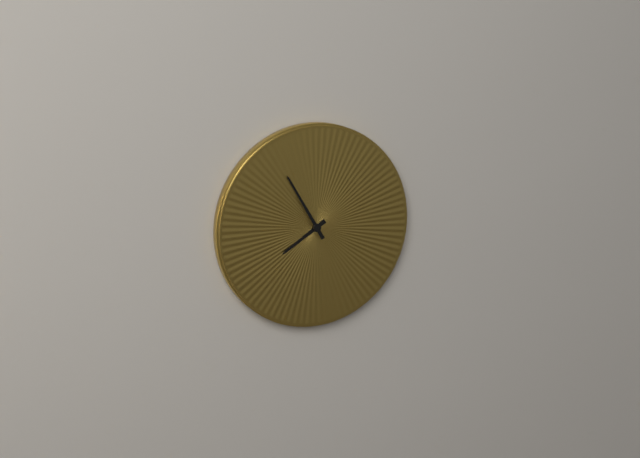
{"hour": 7, "minute": 55}
